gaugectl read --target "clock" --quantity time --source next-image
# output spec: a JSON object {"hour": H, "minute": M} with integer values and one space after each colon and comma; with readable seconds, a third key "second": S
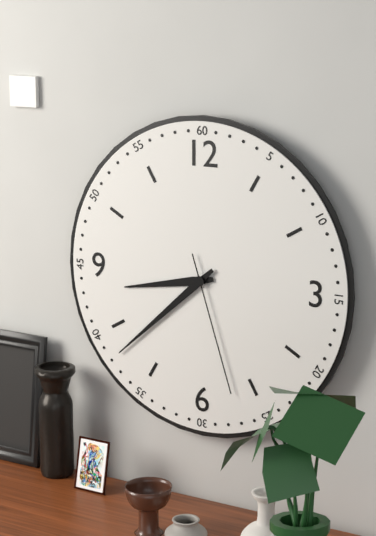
{"hour": 8, "minute": 38, "second": 27}
